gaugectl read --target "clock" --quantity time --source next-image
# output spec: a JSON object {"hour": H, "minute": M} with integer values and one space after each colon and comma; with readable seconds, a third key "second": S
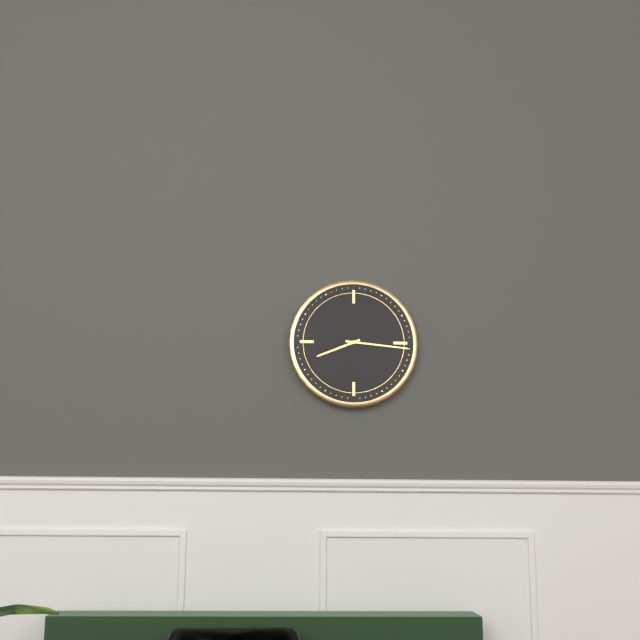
{"hour": 8, "minute": 16}
